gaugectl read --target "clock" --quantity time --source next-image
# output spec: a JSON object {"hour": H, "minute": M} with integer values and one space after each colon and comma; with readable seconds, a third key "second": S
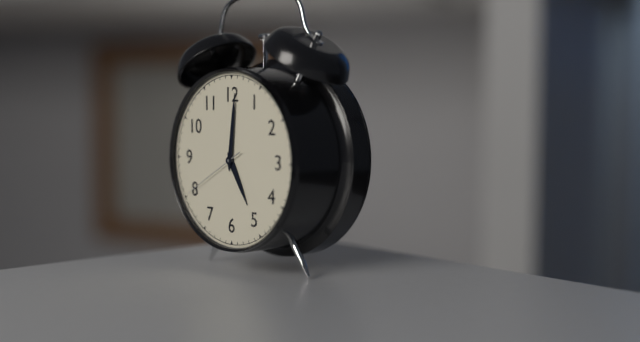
{"hour": 5, "minute": 1, "second": 40}
